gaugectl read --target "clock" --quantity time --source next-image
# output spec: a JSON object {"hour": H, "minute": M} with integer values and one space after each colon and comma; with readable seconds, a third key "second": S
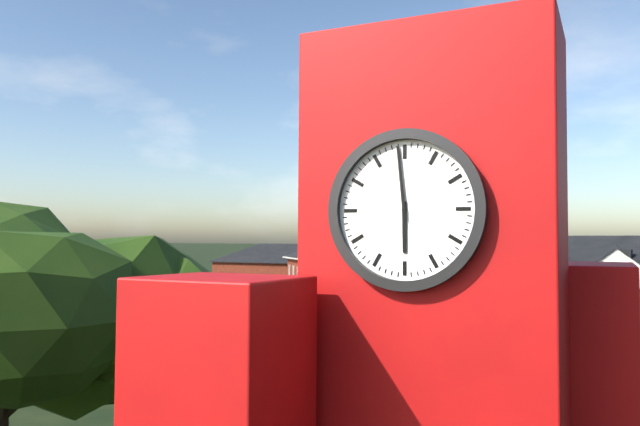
{"hour": 5, "minute": 59}
